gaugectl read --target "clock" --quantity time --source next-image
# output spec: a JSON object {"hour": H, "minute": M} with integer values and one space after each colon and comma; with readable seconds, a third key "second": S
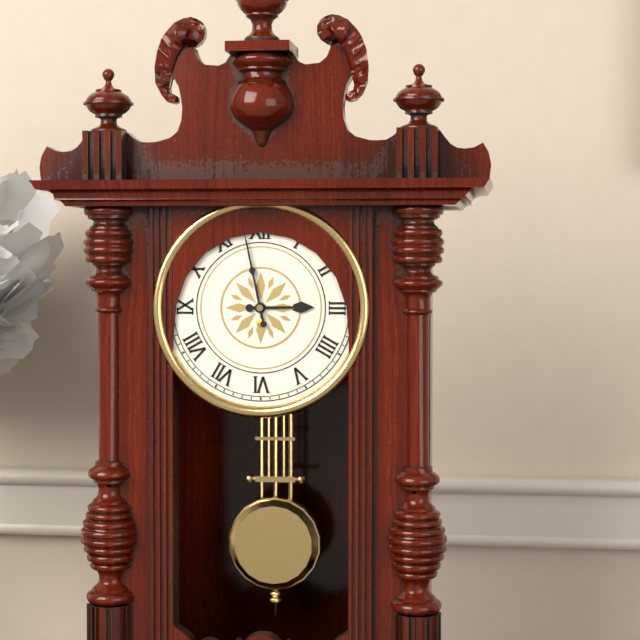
{"hour": 2, "minute": 58}
